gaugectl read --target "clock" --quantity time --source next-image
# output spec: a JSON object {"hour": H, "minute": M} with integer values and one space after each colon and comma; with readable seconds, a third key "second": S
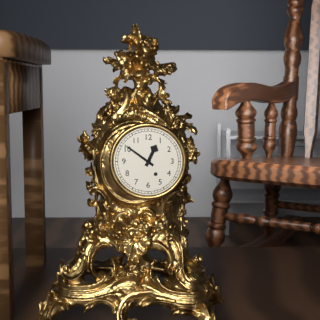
{"hour": 12, "minute": 51}
